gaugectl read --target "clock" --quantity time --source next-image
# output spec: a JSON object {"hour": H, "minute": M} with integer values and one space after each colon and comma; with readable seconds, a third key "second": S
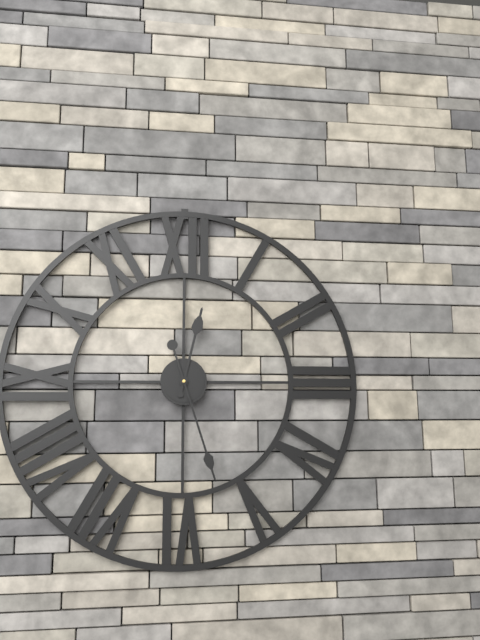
{"hour": 12, "minute": 27}
